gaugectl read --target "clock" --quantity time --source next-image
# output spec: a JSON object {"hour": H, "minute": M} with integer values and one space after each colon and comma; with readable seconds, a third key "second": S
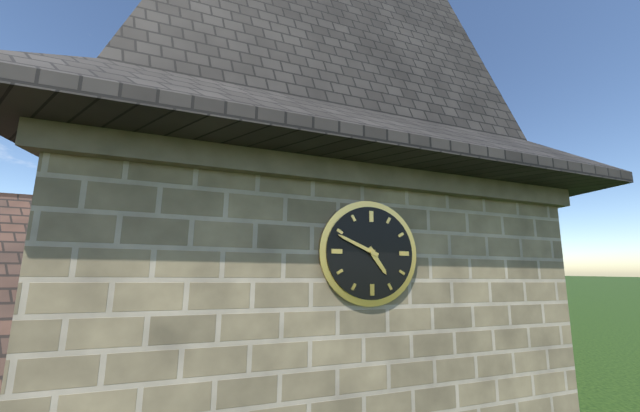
{"hour": 4, "minute": 49}
